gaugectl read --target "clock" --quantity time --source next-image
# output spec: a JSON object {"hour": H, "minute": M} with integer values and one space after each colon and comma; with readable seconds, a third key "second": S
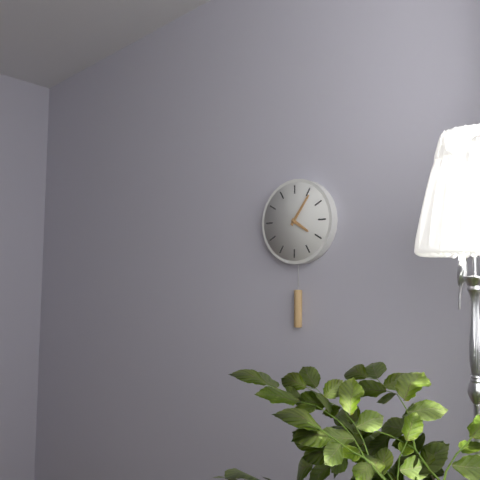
{"hour": 4, "minute": 6}
